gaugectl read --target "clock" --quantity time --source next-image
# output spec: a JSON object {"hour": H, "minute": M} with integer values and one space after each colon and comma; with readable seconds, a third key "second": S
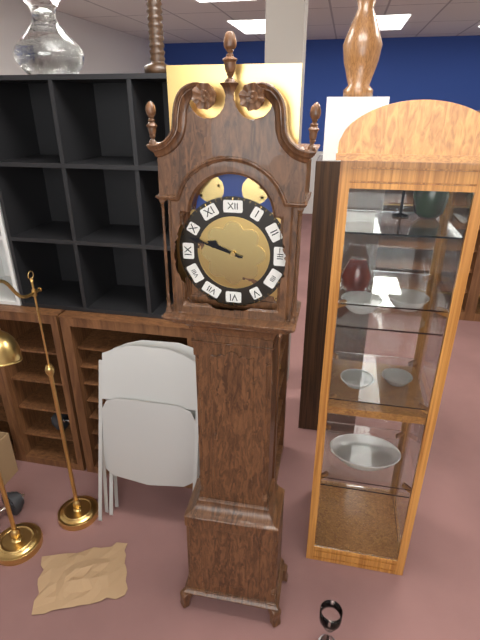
{"hour": 9, "minute": 48}
